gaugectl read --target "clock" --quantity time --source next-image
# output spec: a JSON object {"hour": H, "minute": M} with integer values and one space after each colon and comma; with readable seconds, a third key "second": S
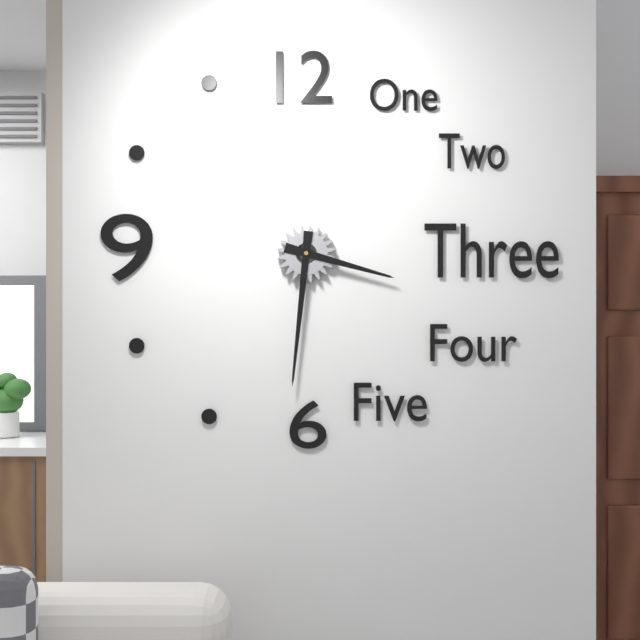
{"hour": 3, "minute": 31}
